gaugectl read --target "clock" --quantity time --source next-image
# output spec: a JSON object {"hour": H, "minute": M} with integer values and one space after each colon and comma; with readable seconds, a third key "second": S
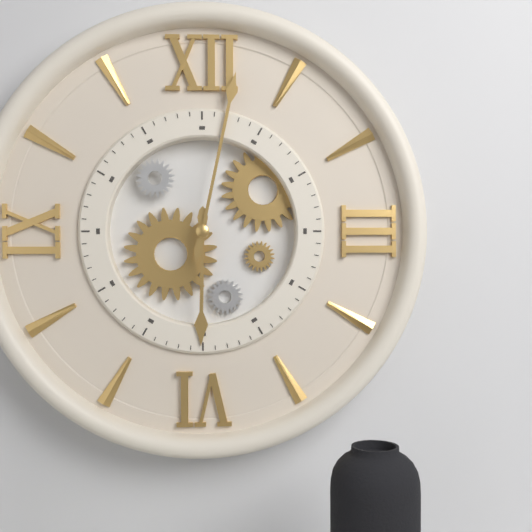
{"hour": 6, "minute": 2}
